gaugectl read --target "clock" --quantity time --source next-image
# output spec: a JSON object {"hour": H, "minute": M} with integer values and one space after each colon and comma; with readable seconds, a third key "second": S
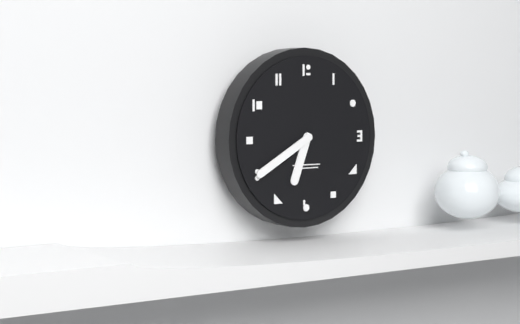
{"hour": 6, "minute": 40}
